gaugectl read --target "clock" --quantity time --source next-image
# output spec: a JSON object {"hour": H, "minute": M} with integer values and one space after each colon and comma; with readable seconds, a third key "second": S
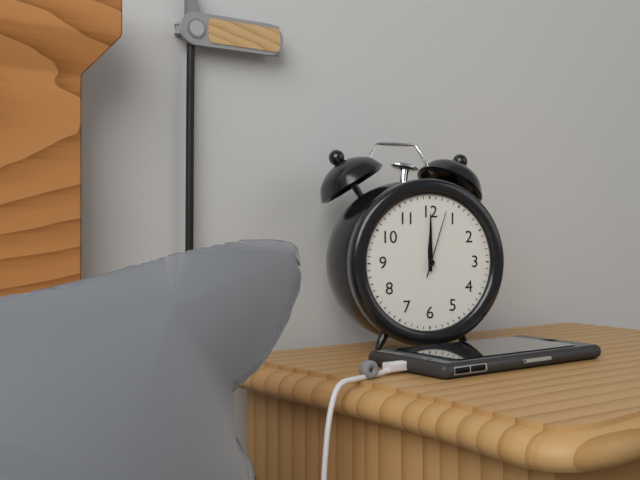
{"hour": 12, "minute": 0, "second": 3}
